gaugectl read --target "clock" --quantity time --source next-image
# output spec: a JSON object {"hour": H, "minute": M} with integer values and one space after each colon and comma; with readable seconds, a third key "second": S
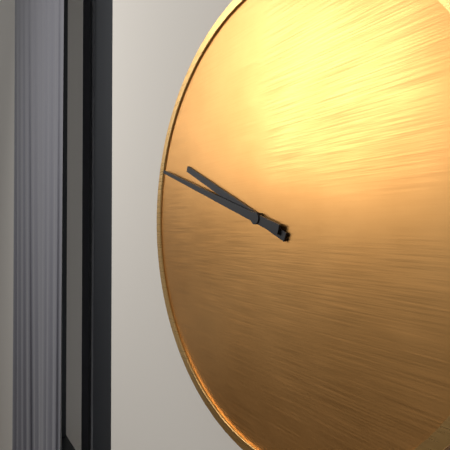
{"hour": 9, "minute": 48}
